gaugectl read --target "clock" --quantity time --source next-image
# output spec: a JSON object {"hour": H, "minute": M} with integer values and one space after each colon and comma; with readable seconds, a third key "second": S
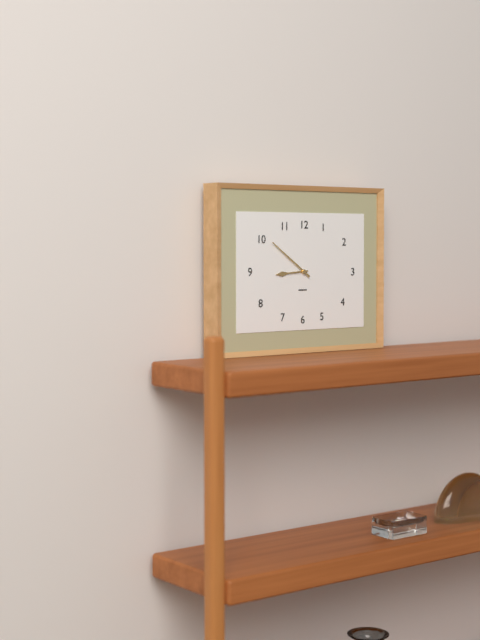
{"hour": 8, "minute": 51}
